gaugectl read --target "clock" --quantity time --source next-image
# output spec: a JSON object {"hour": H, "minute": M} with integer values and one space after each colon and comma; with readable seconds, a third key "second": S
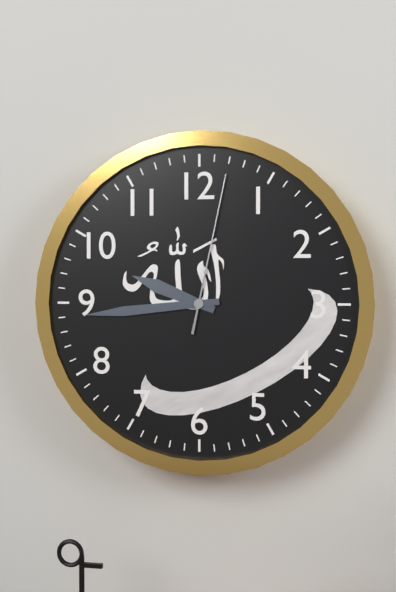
{"hour": 9, "minute": 44, "second": 2}
